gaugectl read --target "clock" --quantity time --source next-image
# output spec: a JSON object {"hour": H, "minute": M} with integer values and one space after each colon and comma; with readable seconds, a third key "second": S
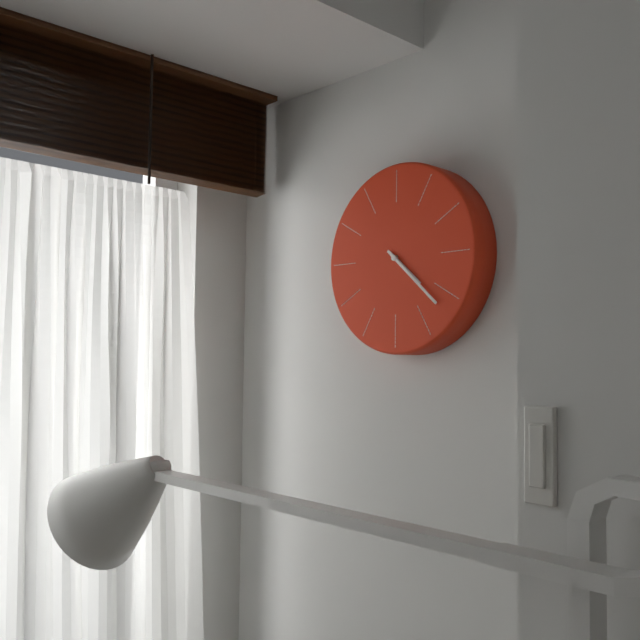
{"hour": 4, "minute": 22}
